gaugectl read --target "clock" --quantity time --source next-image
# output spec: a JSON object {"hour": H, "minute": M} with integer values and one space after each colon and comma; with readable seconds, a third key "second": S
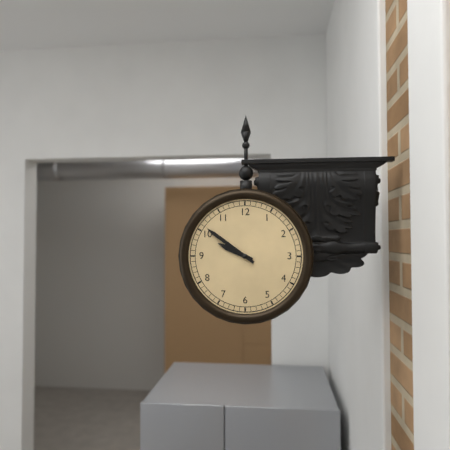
{"hour": 9, "minute": 51}
